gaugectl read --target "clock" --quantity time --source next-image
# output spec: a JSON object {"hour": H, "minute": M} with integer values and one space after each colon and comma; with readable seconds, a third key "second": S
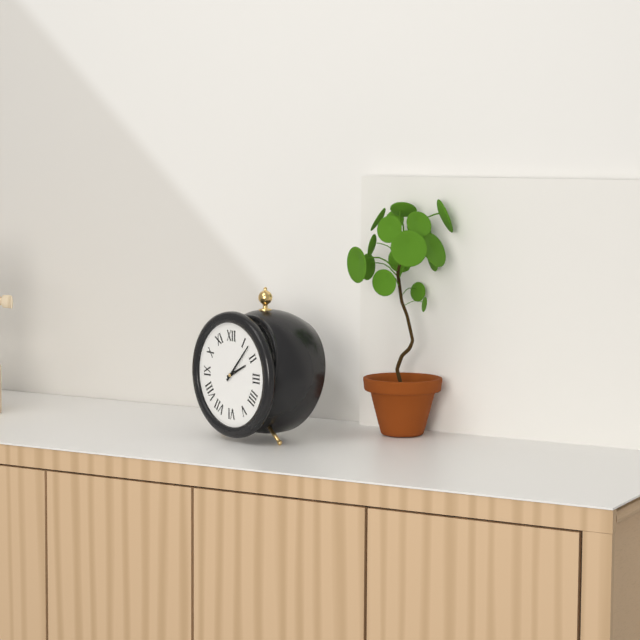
{"hour": 2, "minute": 7}
